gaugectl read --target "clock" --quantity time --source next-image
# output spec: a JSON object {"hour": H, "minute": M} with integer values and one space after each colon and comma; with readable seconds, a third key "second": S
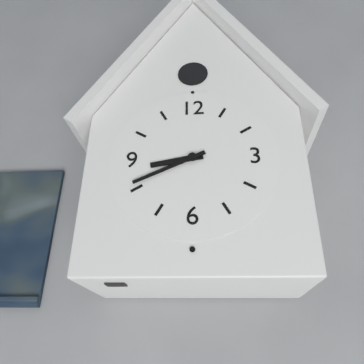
{"hour": 8, "minute": 41}
